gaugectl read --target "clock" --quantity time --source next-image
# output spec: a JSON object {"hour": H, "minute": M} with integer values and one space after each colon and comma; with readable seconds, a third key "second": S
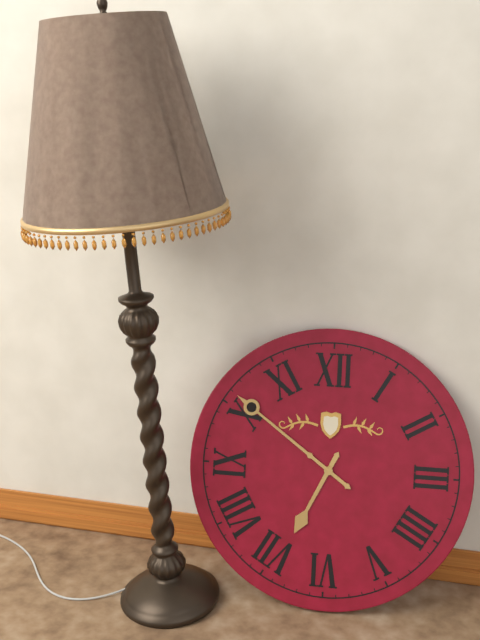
{"hour": 6, "minute": 51}
